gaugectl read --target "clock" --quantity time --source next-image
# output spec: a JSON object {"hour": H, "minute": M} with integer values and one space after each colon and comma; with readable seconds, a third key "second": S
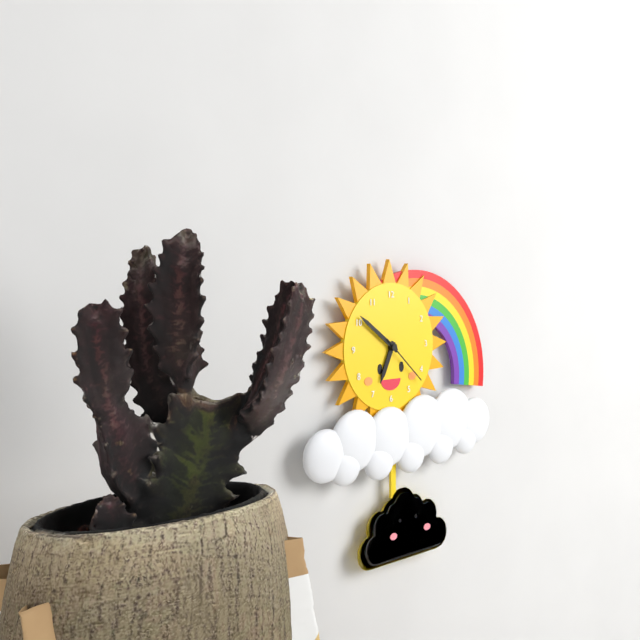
{"hour": 6, "minute": 51, "second": 22}
